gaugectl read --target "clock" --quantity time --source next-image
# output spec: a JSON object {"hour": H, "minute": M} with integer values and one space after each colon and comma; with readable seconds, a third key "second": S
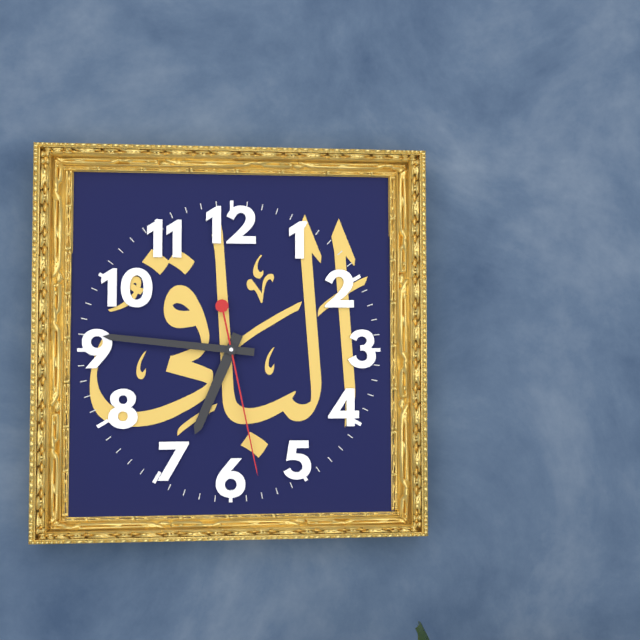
{"hour": 6, "minute": 46, "second": 28}
